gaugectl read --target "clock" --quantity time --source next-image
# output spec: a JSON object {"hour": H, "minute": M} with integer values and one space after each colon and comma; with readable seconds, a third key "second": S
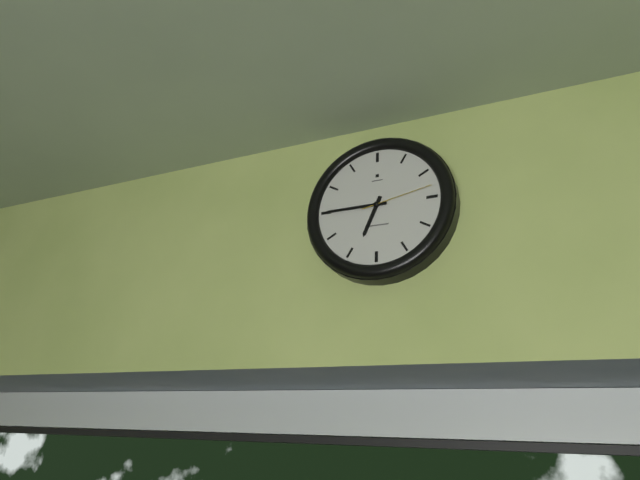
{"hour": 6, "minute": 45, "second": 13}
